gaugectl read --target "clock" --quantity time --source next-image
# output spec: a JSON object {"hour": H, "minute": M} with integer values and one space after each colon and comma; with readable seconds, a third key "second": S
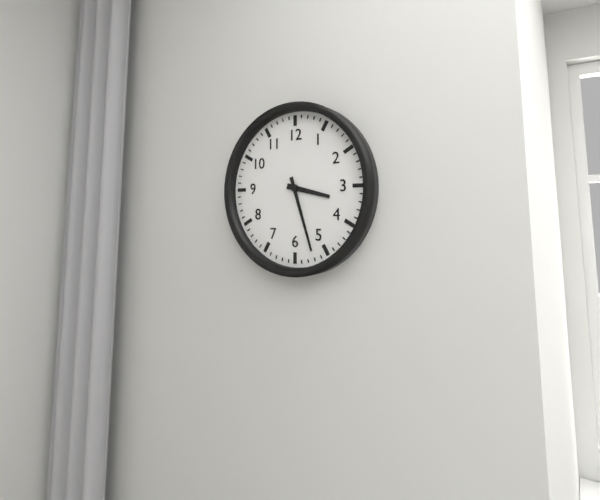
{"hour": 3, "minute": 27}
